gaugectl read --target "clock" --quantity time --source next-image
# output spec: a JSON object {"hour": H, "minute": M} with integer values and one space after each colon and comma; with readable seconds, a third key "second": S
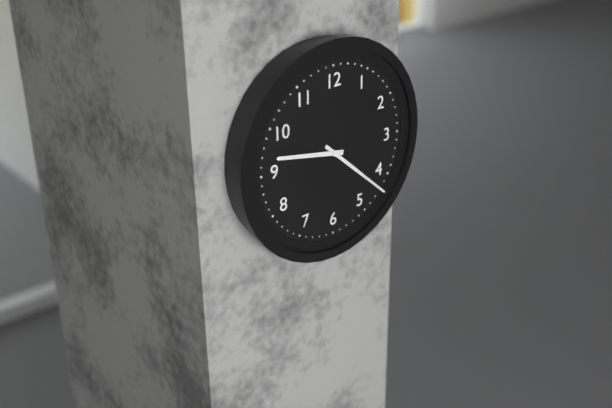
{"hour": 9, "minute": 22}
